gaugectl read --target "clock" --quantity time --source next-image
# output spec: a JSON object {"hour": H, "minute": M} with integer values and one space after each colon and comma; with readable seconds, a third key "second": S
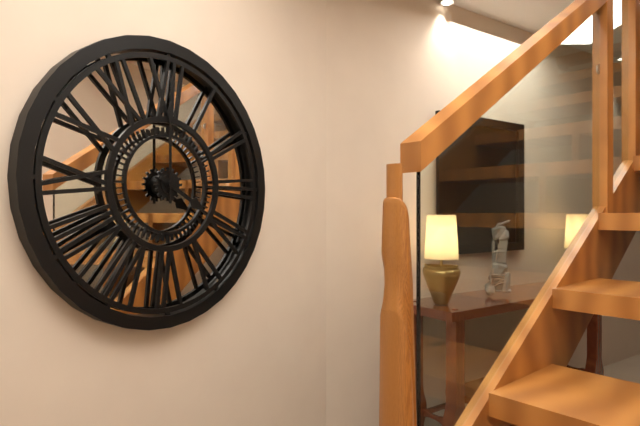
{"hour": 4, "minute": 0}
